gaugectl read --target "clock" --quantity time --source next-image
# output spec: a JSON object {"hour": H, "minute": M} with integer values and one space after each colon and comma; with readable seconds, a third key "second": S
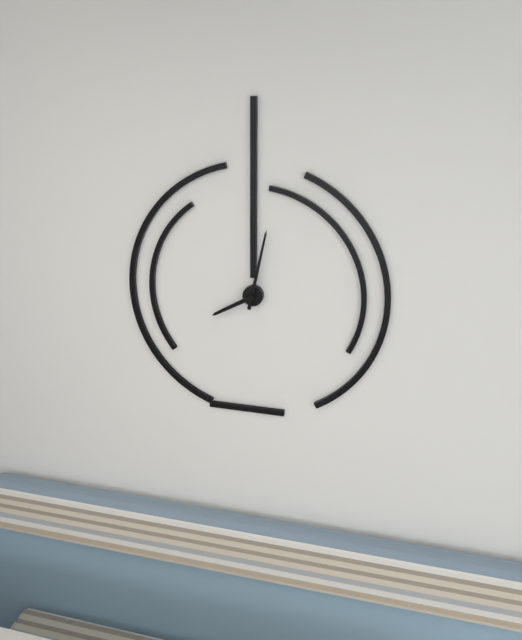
{"hour": 8, "minute": 2}
